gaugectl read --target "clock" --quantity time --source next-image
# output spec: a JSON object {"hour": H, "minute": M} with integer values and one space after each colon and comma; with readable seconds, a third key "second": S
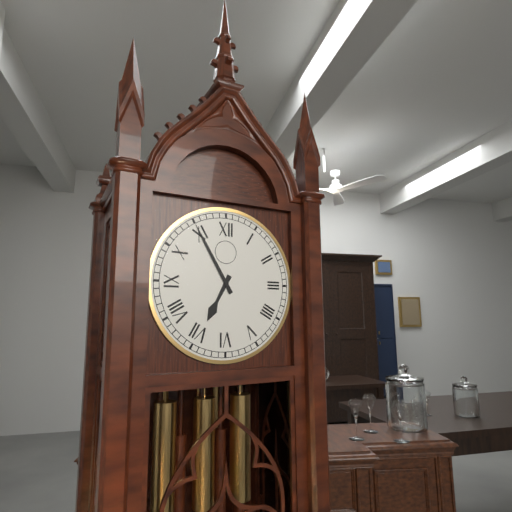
{"hour": 6, "minute": 55}
